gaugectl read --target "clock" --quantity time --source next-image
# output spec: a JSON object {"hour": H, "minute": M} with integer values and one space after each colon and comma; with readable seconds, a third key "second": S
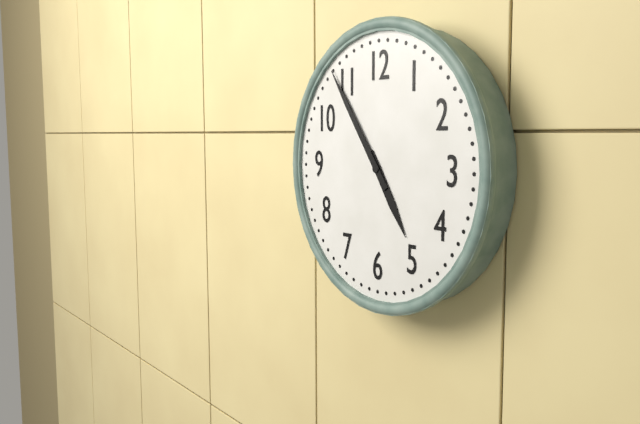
{"hour": 4, "minute": 54}
